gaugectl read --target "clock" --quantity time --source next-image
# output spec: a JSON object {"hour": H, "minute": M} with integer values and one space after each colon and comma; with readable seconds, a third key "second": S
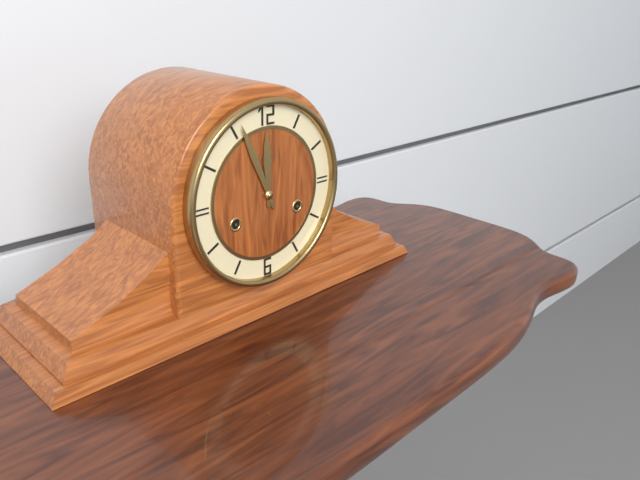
{"hour": 11, "minute": 56}
